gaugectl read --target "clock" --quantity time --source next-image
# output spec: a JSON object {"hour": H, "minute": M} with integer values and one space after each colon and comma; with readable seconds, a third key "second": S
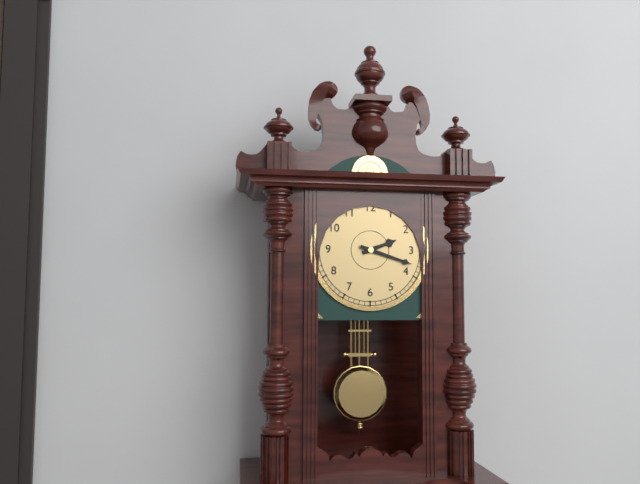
{"hour": 2, "minute": 18}
